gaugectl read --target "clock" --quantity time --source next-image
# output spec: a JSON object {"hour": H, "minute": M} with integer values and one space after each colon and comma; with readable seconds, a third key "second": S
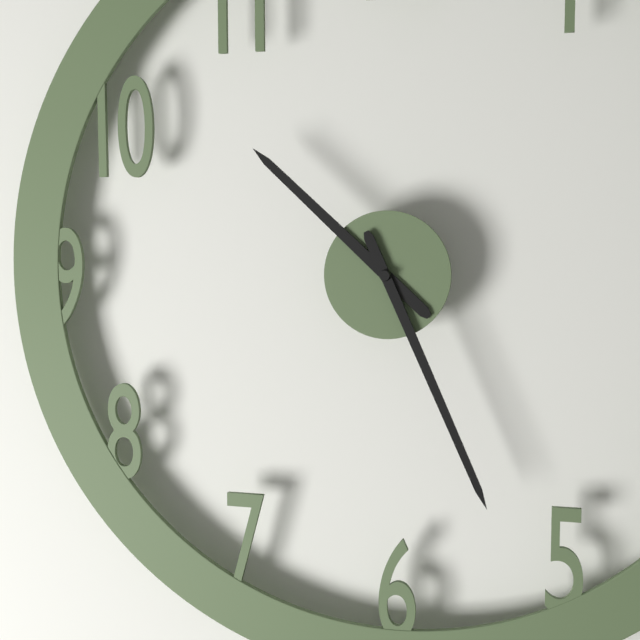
{"hour": 10, "minute": 26}
